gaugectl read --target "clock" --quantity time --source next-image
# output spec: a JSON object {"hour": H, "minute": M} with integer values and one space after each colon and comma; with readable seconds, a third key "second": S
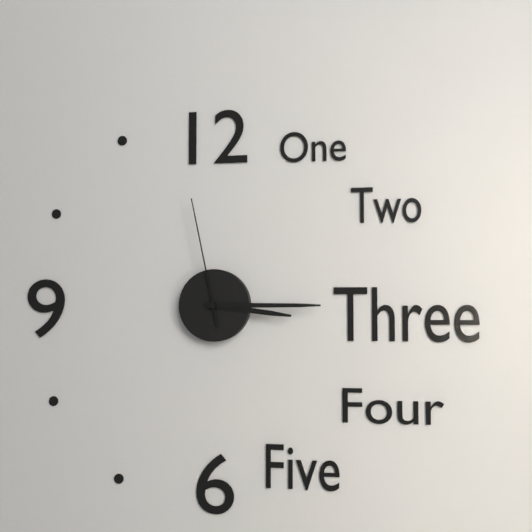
{"hour": 3, "minute": 15, "second": 58}
